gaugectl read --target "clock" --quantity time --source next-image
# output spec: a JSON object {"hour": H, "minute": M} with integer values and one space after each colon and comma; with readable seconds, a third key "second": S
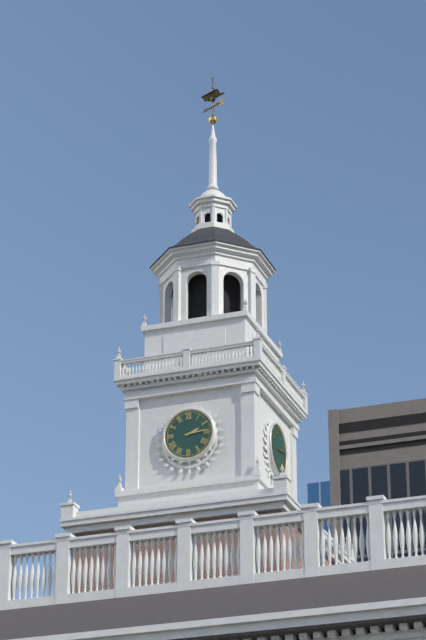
{"hour": 2, "minute": 14}
